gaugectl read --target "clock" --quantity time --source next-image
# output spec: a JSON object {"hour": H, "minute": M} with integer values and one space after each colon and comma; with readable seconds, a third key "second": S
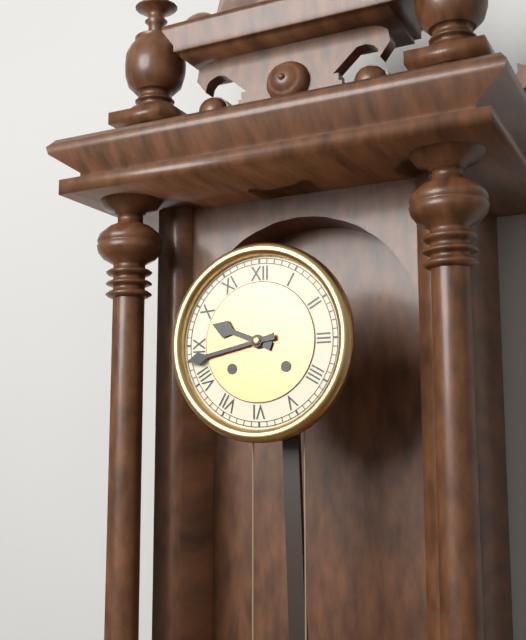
{"hour": 9, "minute": 43}
